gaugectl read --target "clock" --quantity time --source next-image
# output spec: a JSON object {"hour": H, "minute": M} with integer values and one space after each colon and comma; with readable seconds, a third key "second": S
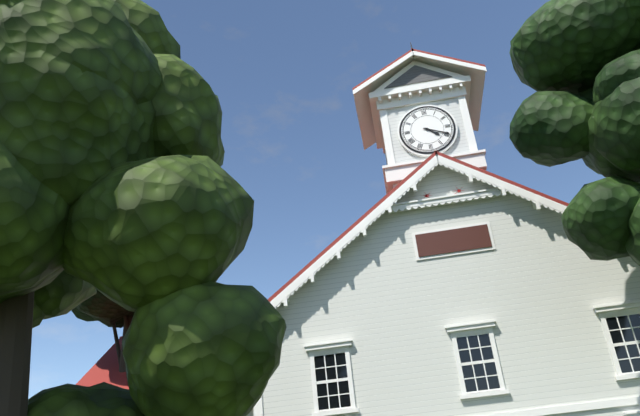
{"hour": 4, "minute": 19}
